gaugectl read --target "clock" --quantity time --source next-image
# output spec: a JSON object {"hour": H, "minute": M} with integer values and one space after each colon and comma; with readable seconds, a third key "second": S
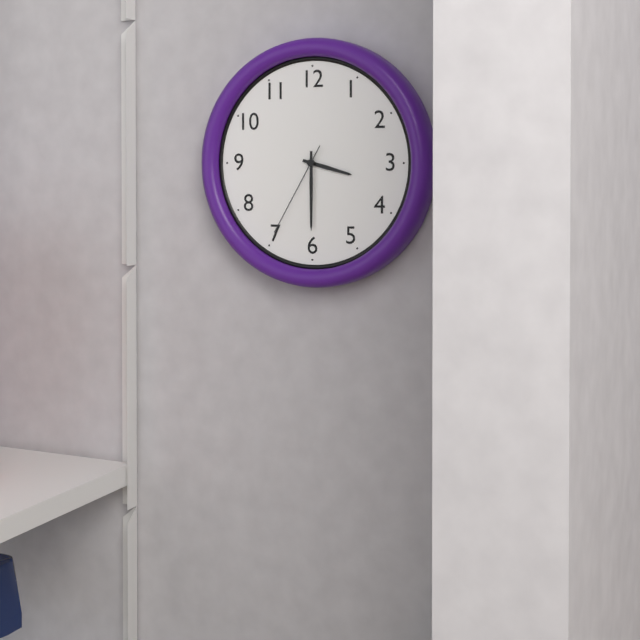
{"hour": 3, "minute": 30, "second": 35}
